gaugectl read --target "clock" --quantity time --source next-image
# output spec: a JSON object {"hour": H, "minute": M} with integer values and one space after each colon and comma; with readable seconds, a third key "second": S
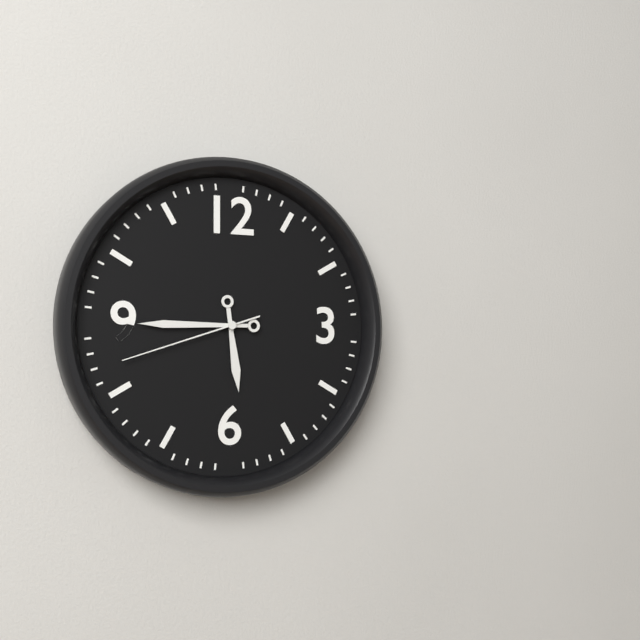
{"hour": 5, "minute": 45, "second": 42}
